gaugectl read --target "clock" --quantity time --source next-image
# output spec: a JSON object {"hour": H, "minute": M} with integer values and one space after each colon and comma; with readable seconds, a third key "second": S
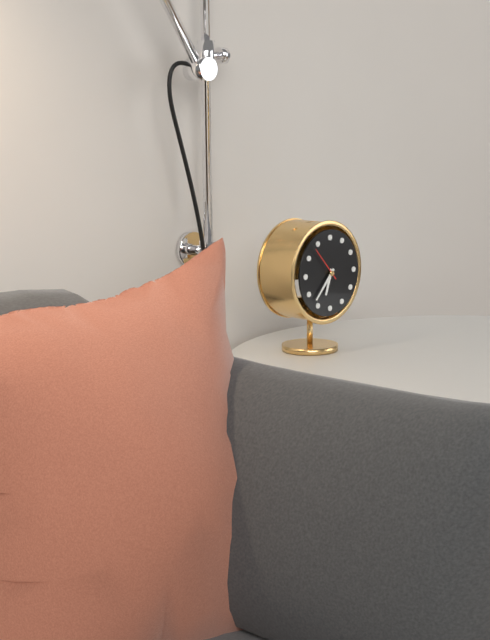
{"hour": 6, "minute": 37}
